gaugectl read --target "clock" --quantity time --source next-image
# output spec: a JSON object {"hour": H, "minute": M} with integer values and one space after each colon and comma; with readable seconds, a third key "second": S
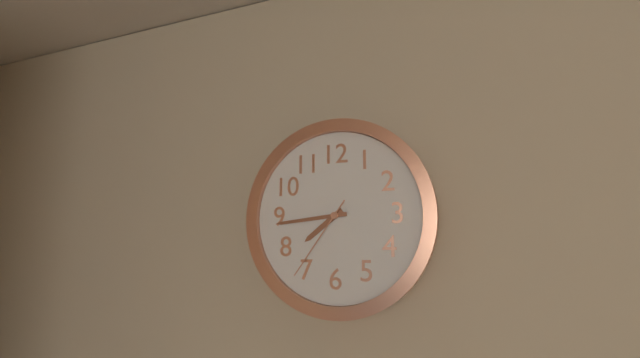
{"hour": 7, "minute": 44, "second": 36}
